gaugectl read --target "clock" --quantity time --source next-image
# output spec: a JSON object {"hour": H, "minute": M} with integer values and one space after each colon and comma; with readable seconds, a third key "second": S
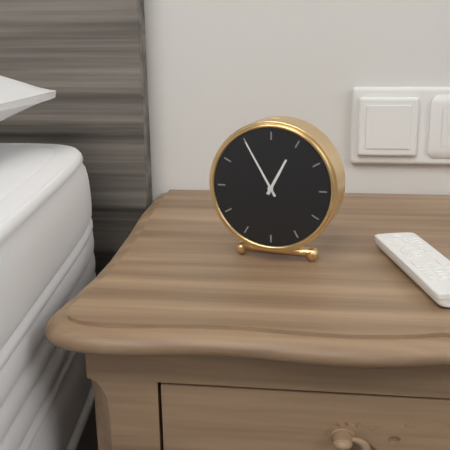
{"hour": 12, "minute": 55}
